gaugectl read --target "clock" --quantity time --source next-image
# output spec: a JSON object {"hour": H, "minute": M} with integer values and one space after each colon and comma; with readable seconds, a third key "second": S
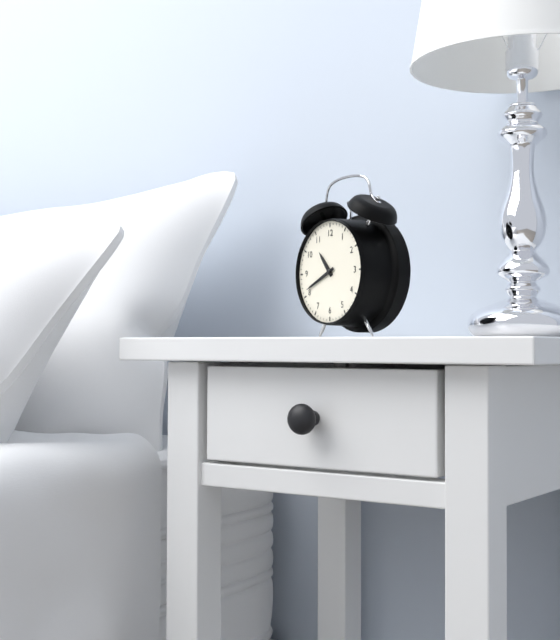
{"hour": 10, "minute": 41}
